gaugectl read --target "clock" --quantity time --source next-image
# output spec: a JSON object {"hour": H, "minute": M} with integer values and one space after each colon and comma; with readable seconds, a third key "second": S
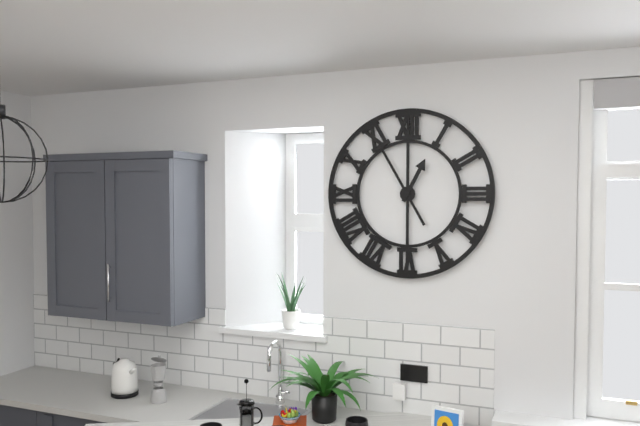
{"hour": 12, "minute": 55}
